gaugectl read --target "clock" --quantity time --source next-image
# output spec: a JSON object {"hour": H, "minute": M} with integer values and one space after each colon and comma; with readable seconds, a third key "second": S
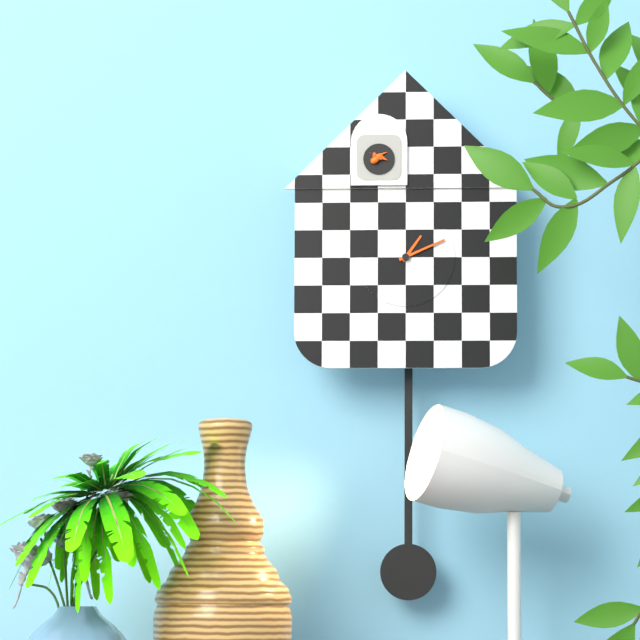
{"hour": 1, "minute": 11}
